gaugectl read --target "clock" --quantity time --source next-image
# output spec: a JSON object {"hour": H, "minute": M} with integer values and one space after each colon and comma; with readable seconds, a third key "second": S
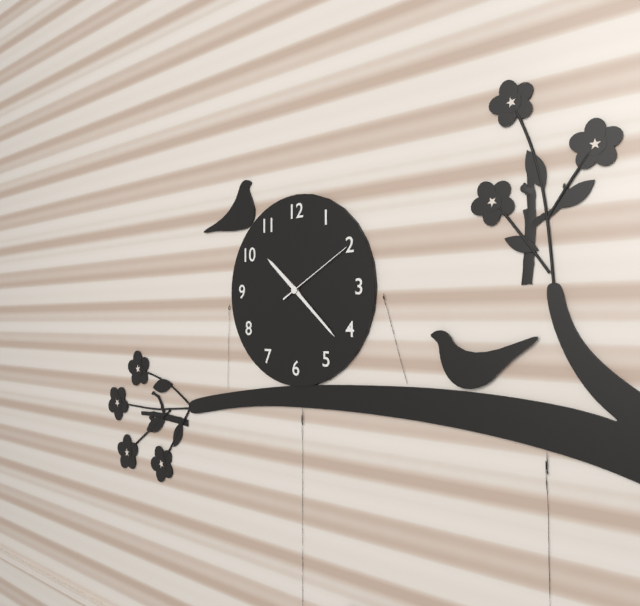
{"hour": 10, "minute": 22, "second": 10}
